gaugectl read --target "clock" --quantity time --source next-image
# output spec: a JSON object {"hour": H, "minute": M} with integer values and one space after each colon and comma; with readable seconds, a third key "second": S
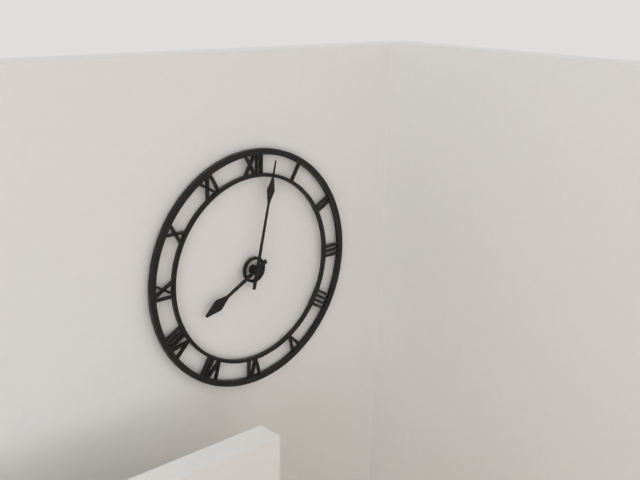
{"hour": 8, "minute": 2}
